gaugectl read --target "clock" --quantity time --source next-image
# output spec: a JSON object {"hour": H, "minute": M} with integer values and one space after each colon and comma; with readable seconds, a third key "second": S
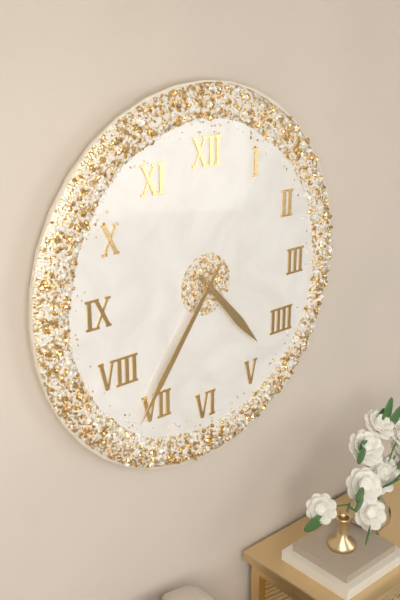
{"hour": 4, "minute": 36}
